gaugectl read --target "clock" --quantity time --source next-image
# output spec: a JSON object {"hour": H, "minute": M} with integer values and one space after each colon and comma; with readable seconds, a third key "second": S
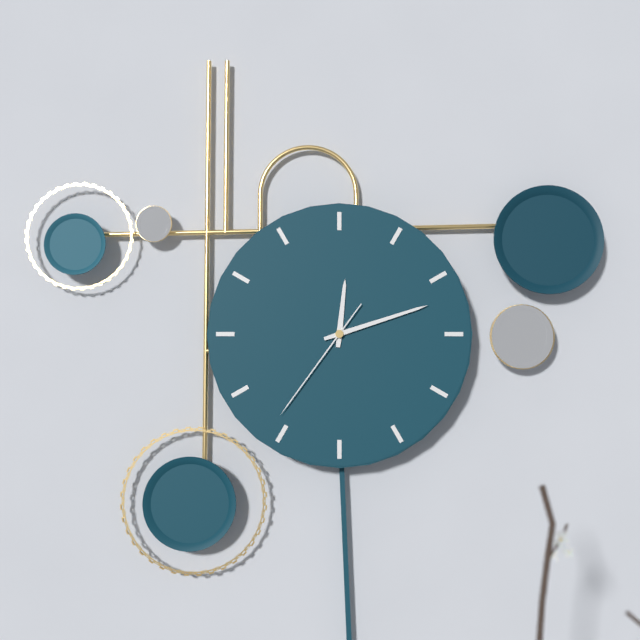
{"hour": 12, "minute": 12, "second": 36}
